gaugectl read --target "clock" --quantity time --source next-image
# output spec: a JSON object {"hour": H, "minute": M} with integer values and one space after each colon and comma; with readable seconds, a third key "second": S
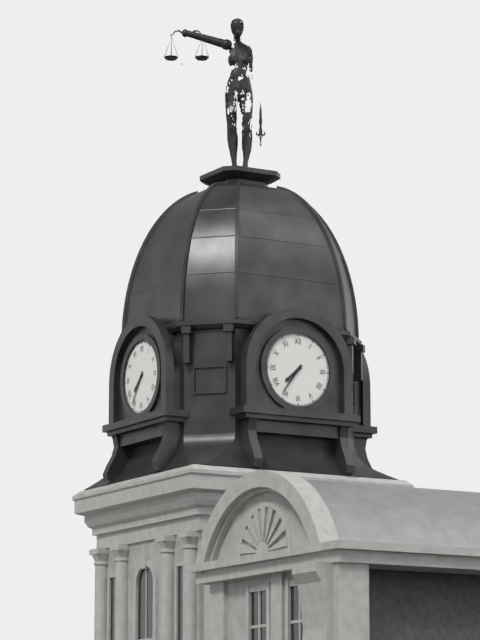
{"hour": 7, "minute": 36}
